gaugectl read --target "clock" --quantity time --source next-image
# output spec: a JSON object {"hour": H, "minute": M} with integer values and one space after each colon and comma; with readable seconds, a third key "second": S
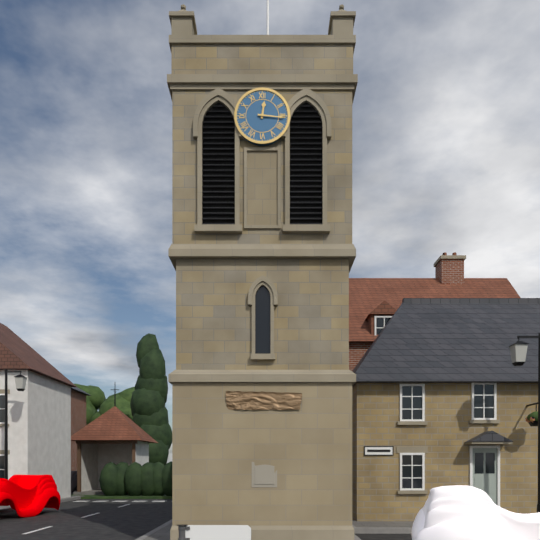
{"hour": 12, "minute": 16}
